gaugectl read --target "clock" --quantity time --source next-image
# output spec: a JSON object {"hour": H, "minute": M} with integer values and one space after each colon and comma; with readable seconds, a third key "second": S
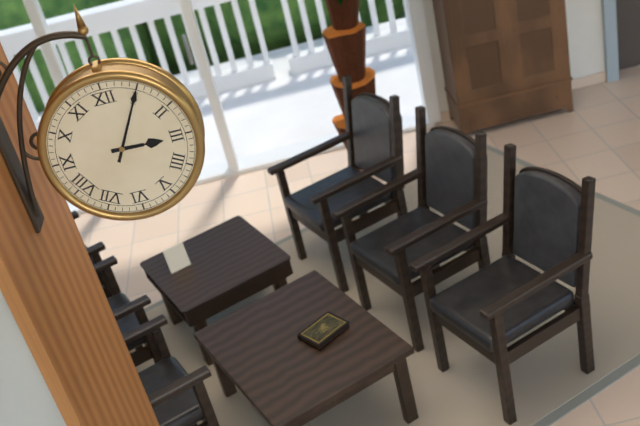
{"hour": 3, "minute": 5}
